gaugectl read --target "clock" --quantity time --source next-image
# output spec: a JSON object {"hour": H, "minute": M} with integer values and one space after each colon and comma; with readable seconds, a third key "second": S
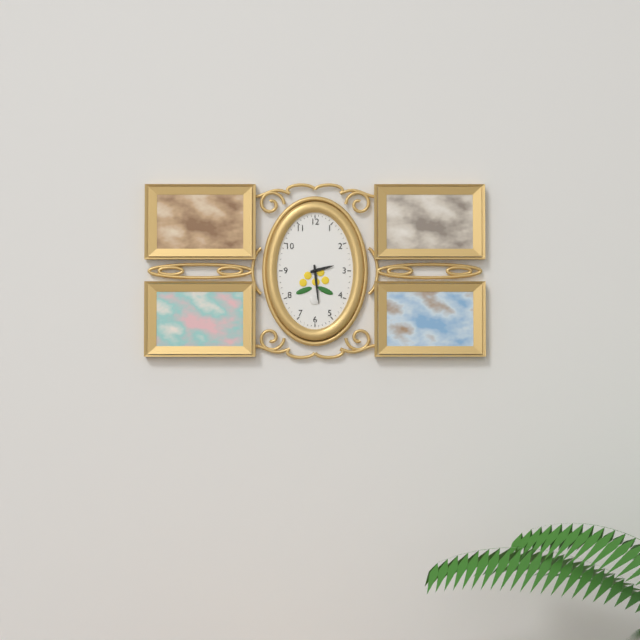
{"hour": 2, "minute": 29}
